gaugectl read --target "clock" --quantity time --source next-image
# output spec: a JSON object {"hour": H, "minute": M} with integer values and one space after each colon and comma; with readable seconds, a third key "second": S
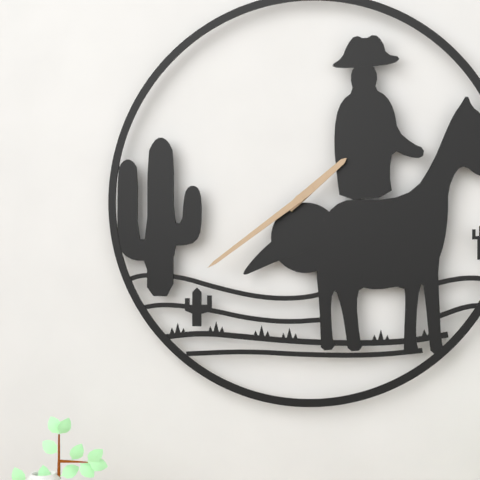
{"hour": 1, "minute": 39}
